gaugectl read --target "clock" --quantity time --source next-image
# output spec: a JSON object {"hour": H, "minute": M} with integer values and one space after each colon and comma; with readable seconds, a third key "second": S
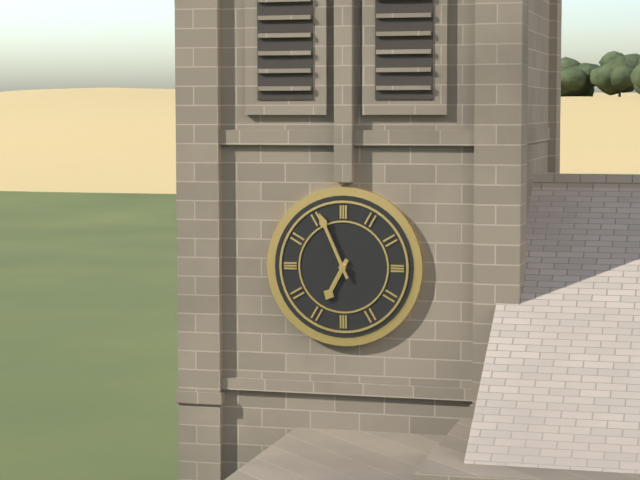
{"hour": 6, "minute": 56}
